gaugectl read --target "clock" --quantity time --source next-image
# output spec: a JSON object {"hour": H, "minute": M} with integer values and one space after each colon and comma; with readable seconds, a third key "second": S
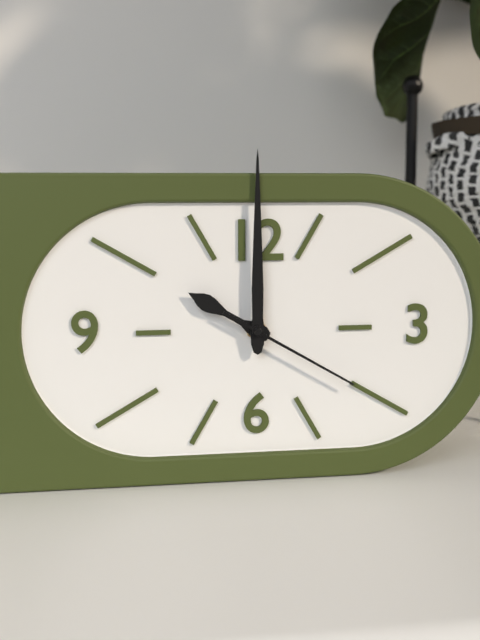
{"hour": 10, "minute": 0, "second": 20}
